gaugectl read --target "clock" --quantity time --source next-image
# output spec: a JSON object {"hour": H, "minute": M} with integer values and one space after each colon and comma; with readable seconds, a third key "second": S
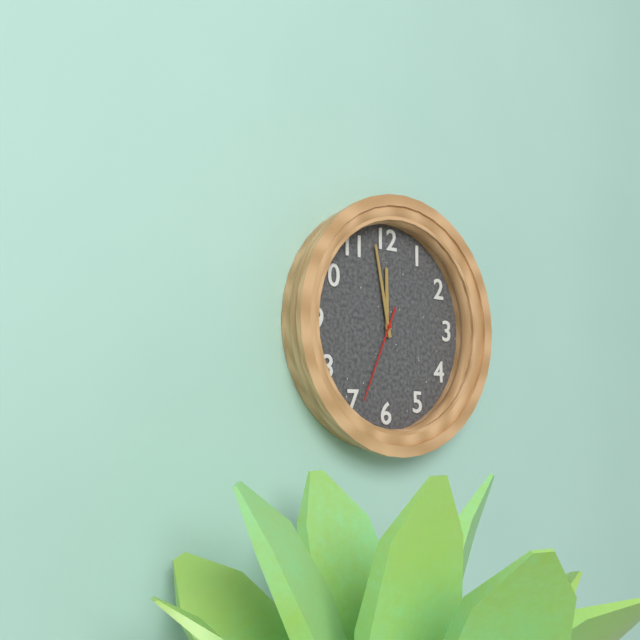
{"hour": 11, "minute": 58, "second": 34}
